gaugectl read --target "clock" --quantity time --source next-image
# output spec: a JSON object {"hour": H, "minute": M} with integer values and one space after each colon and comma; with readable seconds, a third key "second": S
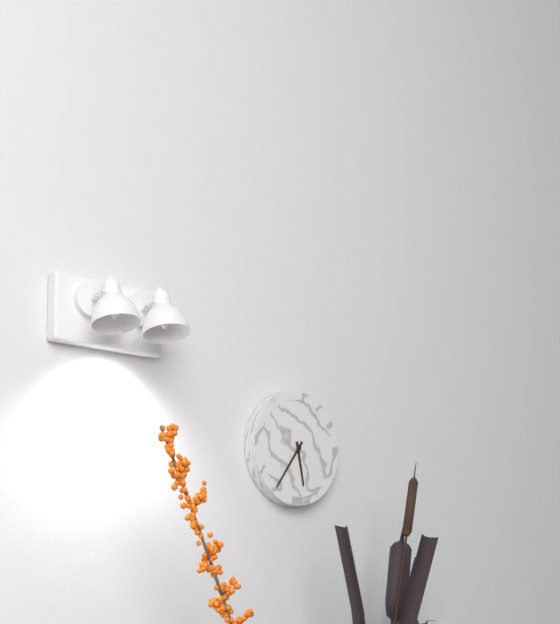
{"hour": 5, "minute": 36}
